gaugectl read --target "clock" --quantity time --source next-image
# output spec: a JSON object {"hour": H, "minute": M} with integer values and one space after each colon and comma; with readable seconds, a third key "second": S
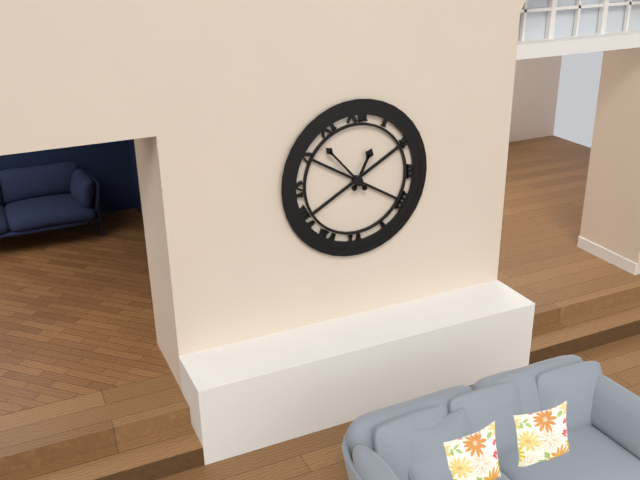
{"hour": 12, "minute": 53}
